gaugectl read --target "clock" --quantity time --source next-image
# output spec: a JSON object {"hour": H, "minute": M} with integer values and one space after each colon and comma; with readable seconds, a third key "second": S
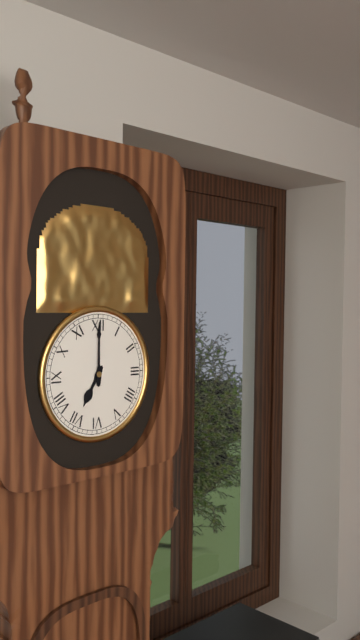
{"hour": 7, "minute": 0}
